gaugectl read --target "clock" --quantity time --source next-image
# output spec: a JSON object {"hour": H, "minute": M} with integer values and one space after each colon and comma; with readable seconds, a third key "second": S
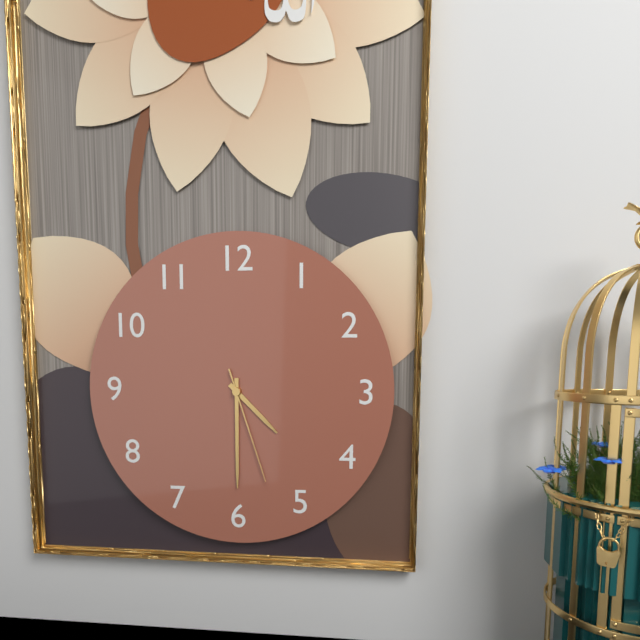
{"hour": 4, "minute": 30, "second": 27}
